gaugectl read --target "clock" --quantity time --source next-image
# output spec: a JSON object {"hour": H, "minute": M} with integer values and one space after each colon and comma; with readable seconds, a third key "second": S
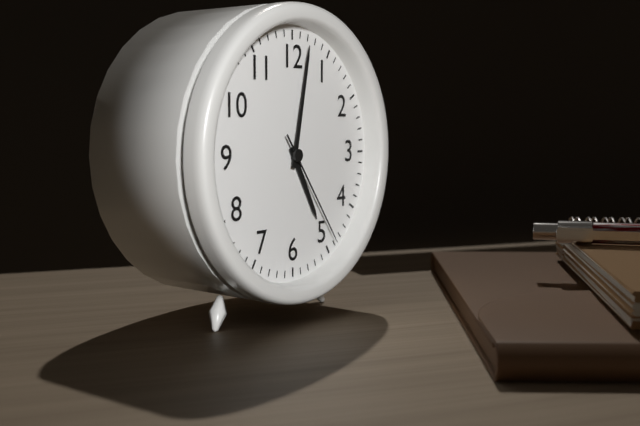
{"hour": 5, "minute": 2, "second": 24}
